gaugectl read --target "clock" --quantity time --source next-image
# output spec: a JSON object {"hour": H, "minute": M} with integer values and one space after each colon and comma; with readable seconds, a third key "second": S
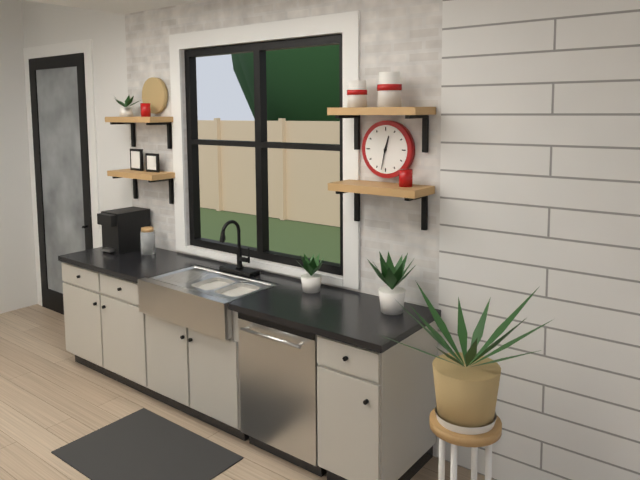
{"hour": 12, "minute": 32}
